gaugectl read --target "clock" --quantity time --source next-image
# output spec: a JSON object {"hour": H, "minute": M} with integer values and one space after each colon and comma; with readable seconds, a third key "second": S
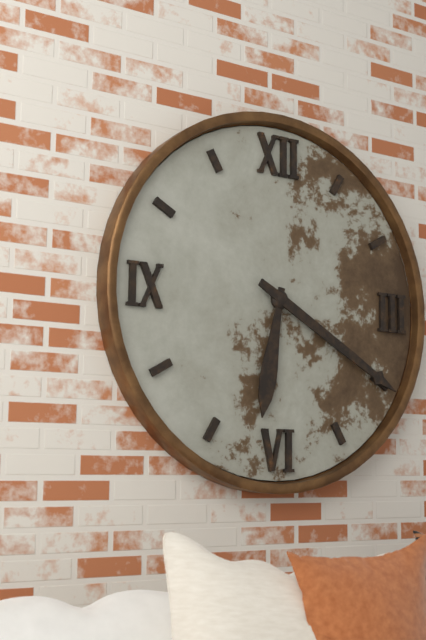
{"hour": 6, "minute": 20}
